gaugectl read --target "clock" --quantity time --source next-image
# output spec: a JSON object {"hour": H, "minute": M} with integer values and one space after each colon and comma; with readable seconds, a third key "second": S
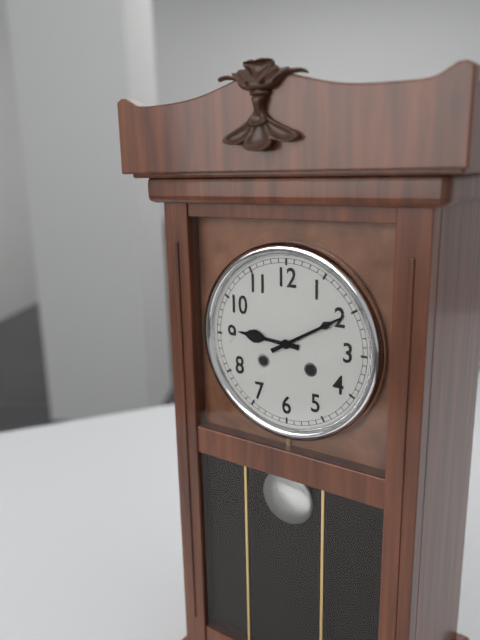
{"hour": 9, "minute": 10}
